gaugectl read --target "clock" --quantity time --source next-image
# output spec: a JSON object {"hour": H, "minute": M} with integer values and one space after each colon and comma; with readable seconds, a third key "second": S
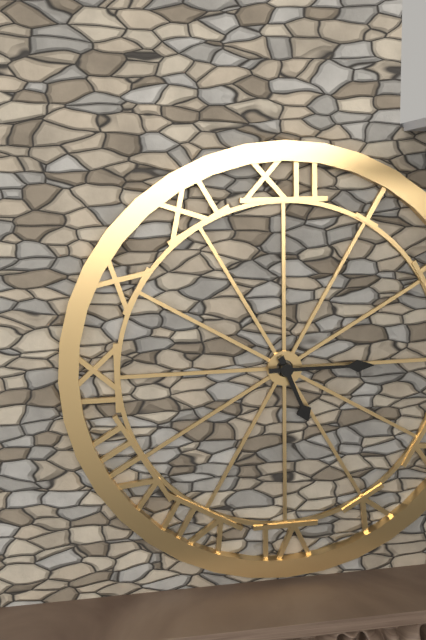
{"hour": 5, "minute": 15}
